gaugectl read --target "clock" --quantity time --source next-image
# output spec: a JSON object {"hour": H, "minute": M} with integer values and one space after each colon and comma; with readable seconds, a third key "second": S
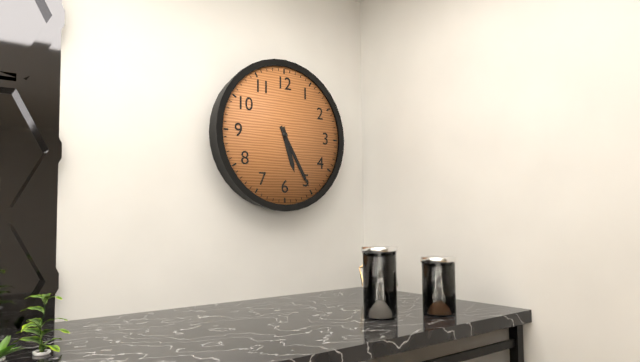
{"hour": 5, "minute": 25}
